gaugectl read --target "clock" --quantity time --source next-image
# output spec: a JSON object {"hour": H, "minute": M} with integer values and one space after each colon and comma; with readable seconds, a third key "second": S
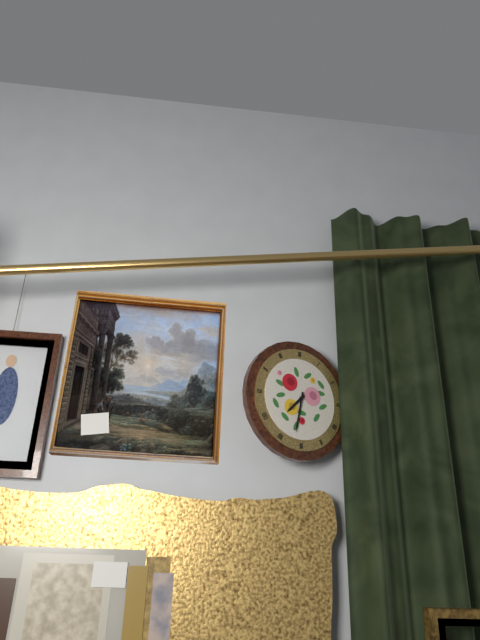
{"hour": 7, "minute": 32}
